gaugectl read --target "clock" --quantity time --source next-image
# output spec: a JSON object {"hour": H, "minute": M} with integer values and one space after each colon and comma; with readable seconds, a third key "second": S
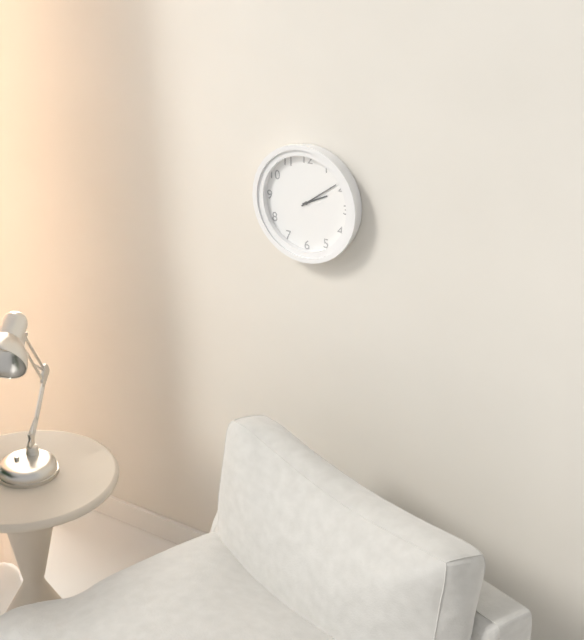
{"hour": 2, "minute": 9}
